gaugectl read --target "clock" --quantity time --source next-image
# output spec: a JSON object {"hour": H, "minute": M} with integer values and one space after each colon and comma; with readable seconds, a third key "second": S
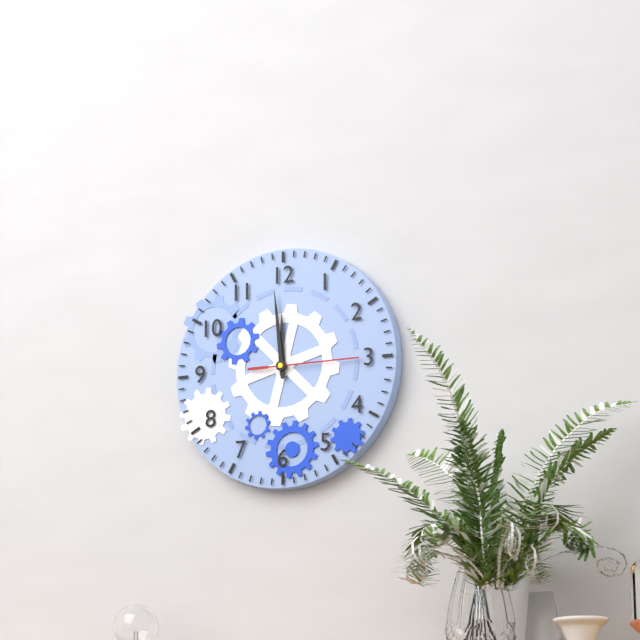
{"hour": 11, "minute": 59, "second": 15}
